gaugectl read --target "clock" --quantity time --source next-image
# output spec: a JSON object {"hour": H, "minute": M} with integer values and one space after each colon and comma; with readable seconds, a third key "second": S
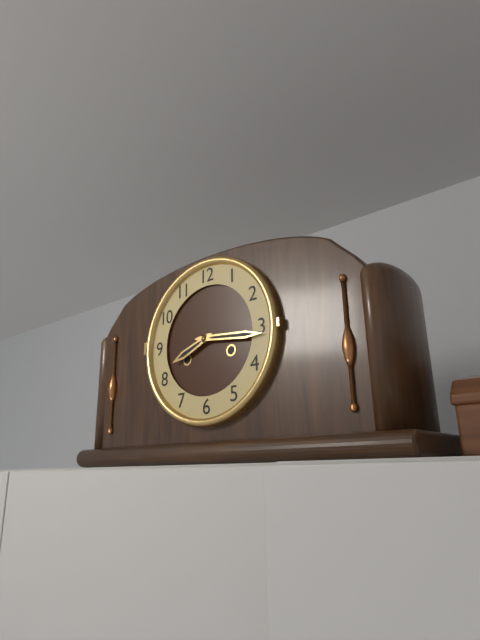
{"hour": 8, "minute": 16}
